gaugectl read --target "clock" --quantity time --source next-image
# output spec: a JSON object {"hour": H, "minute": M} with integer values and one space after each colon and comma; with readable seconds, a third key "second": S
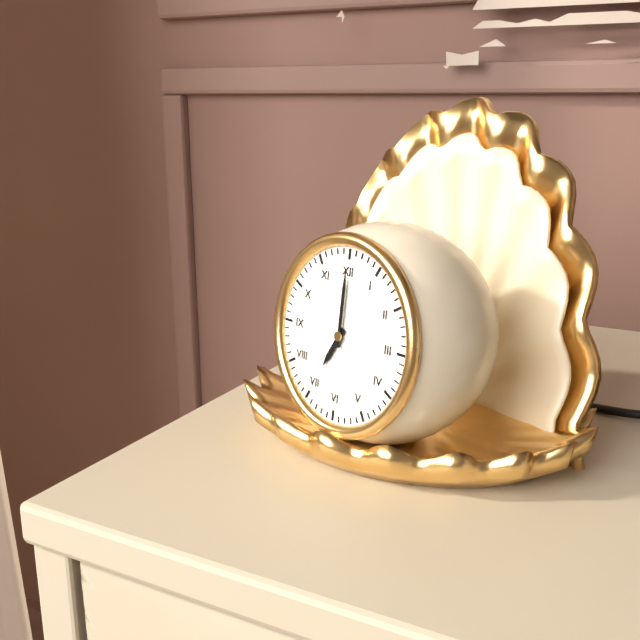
{"hour": 7, "minute": 0}
